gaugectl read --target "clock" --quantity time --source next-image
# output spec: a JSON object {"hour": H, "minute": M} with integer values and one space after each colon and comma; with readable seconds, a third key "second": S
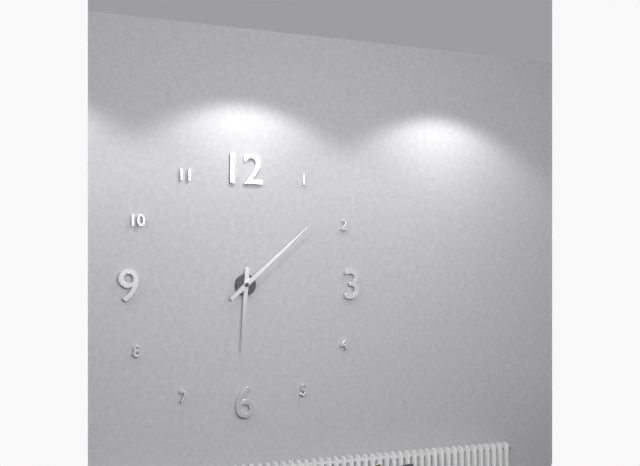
{"hour": 6, "minute": 8}
